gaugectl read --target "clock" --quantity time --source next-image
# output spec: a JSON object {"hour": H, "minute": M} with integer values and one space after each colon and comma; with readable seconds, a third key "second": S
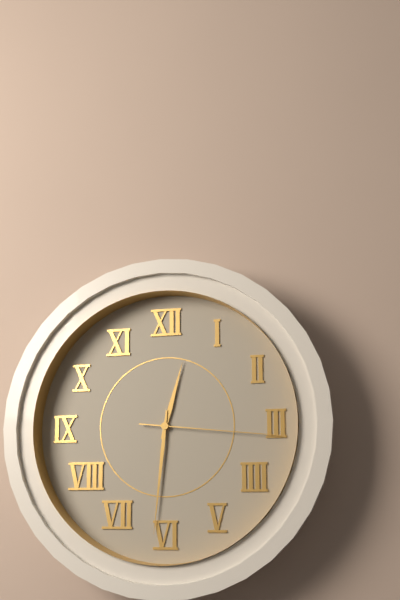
{"hour": 12, "minute": 31, "second": 16}
